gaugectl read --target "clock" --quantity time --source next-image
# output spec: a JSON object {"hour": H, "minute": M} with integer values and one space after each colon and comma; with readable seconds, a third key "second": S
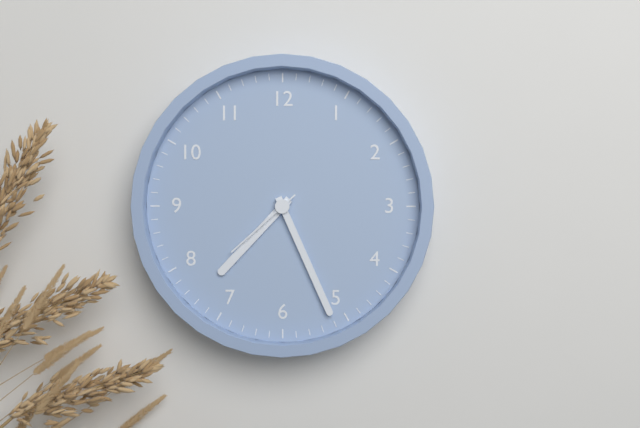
{"hour": 7, "minute": 26, "second": 38}
